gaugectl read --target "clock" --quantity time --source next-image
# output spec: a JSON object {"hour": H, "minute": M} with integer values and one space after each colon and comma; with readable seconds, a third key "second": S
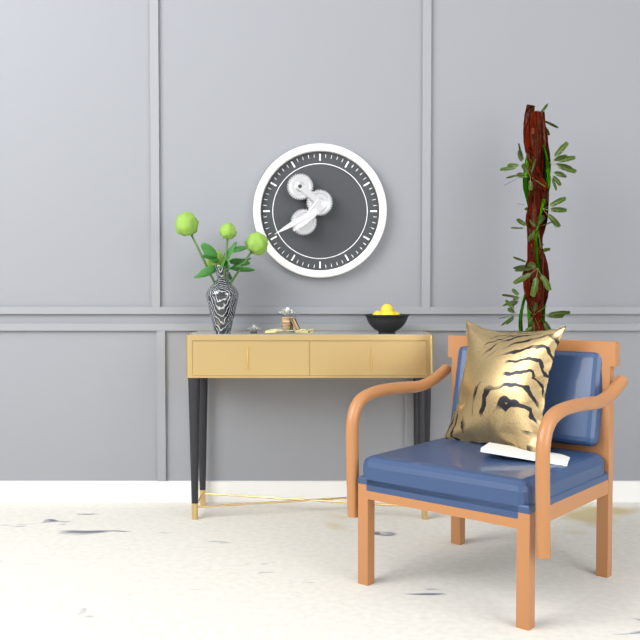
{"hour": 7, "minute": 40}
